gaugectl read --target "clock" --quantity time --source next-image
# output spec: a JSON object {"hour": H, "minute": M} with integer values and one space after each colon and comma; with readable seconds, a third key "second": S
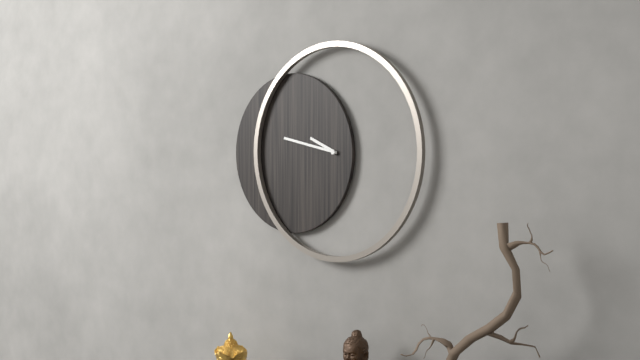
{"hour": 9, "minute": 47}
